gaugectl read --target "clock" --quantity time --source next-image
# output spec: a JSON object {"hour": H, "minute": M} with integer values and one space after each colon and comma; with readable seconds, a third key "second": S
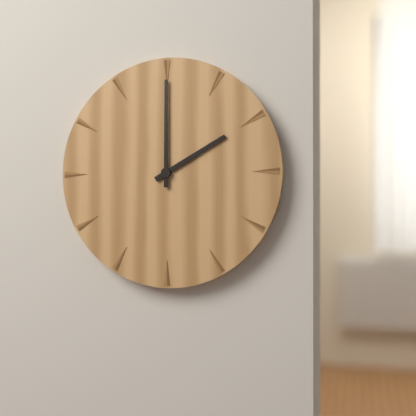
{"hour": 2, "minute": 0}
